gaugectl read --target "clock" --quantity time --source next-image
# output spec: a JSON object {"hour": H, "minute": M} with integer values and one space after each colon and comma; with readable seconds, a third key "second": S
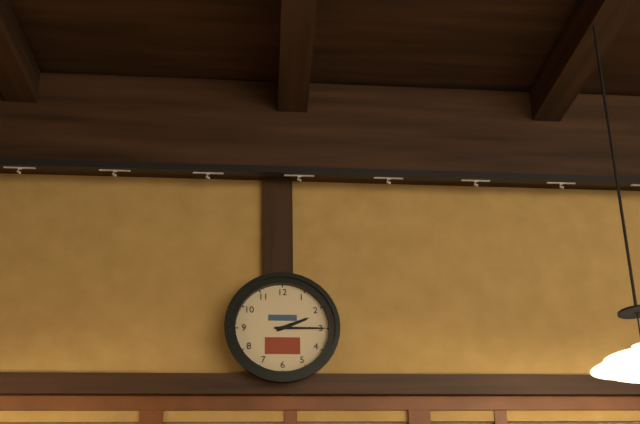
{"hour": 2, "minute": 15}
